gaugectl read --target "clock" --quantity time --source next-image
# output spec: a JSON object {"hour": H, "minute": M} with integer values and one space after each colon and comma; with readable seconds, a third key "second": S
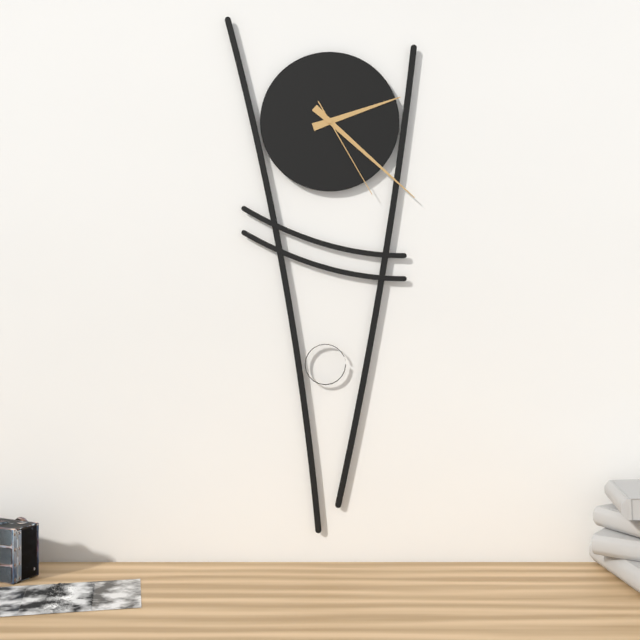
{"hour": 2, "minute": 22, "second": 25}
